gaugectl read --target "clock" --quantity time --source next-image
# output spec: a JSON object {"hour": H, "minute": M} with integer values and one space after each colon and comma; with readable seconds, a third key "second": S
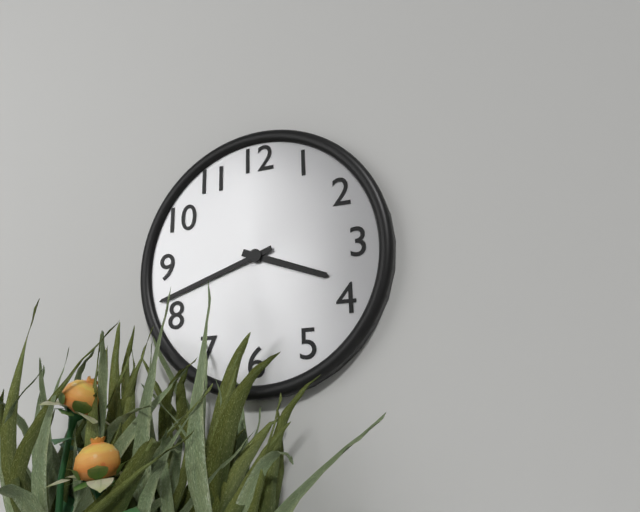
{"hour": 3, "minute": 42}
